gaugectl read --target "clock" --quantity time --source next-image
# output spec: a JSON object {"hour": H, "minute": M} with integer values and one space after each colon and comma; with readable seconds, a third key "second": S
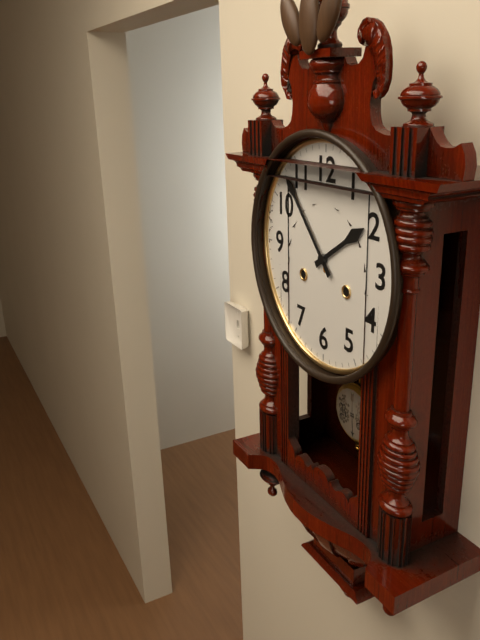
{"hour": 1, "minute": 53}
